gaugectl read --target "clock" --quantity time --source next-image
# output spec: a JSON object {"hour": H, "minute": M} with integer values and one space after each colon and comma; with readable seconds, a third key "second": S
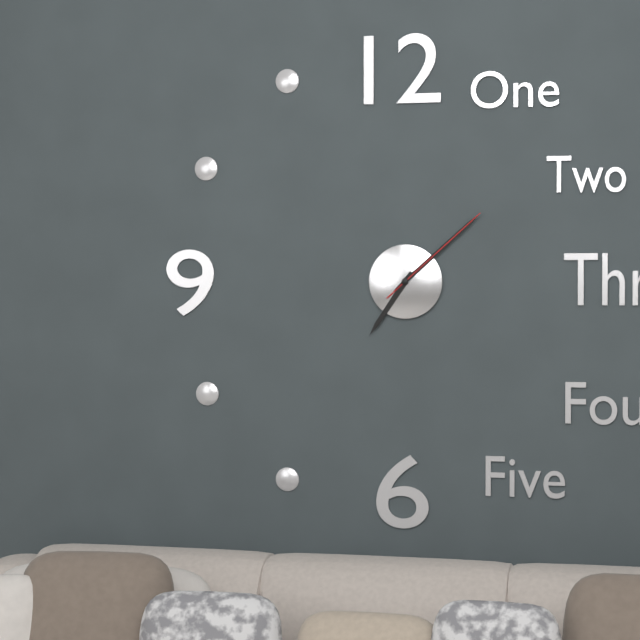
{"hour": 7, "minute": 8, "second": 8}
